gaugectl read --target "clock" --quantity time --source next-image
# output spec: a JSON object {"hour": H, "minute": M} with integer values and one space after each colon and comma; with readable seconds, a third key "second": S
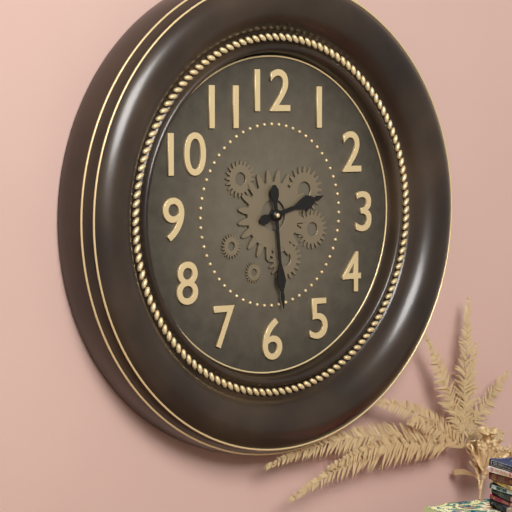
{"hour": 2, "minute": 29}
